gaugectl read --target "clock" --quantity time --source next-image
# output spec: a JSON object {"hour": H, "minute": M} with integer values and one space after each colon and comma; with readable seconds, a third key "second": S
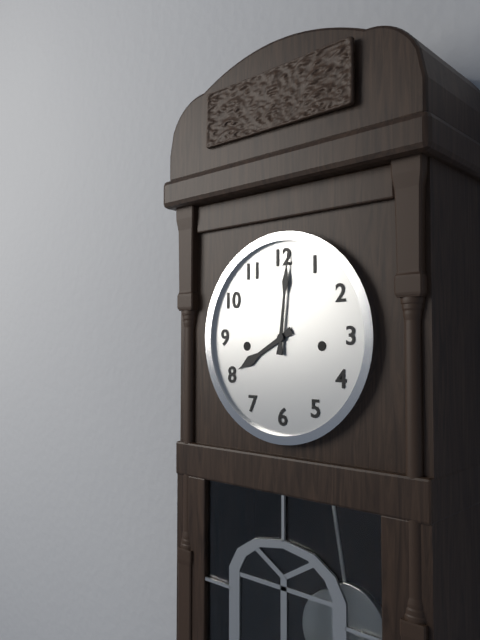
{"hour": 8, "minute": 1}
